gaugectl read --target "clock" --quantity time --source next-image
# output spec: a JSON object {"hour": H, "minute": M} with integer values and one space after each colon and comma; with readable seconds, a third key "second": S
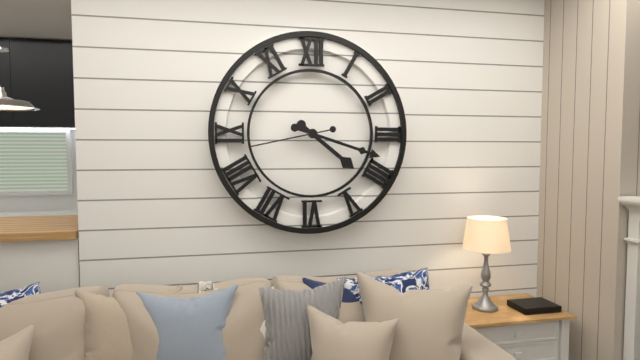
{"hour": 4, "minute": 18, "second": 43}
